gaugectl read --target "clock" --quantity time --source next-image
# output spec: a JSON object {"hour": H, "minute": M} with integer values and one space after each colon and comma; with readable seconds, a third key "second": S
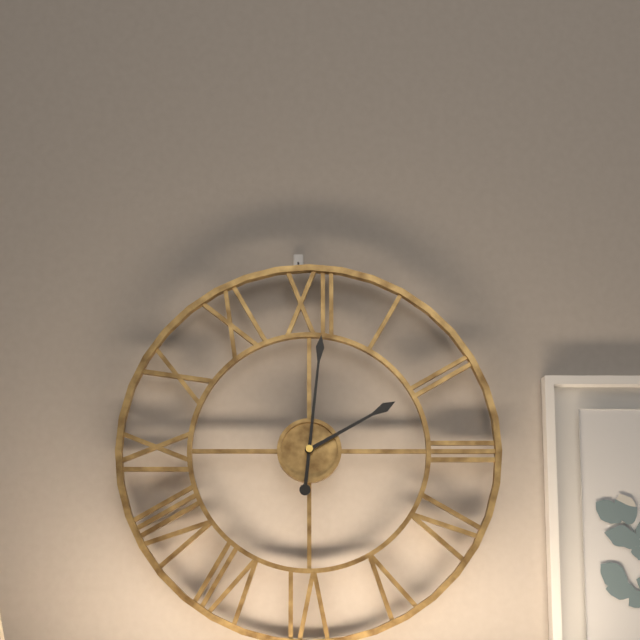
{"hour": 2, "minute": 1}
